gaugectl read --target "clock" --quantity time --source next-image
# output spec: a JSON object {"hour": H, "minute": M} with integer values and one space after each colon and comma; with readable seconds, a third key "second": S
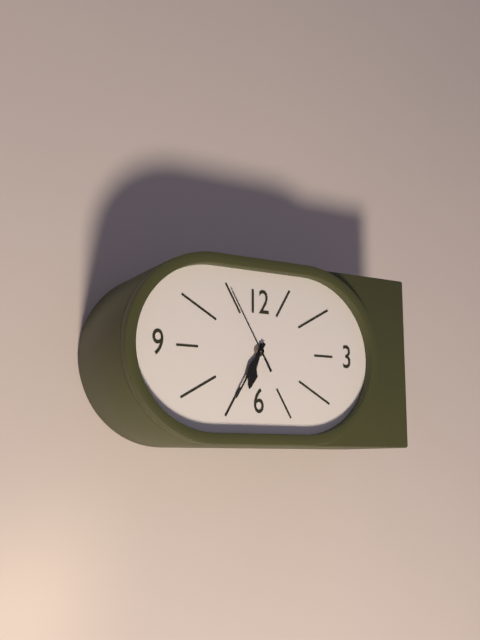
{"hour": 6, "minute": 35, "second": 55}
